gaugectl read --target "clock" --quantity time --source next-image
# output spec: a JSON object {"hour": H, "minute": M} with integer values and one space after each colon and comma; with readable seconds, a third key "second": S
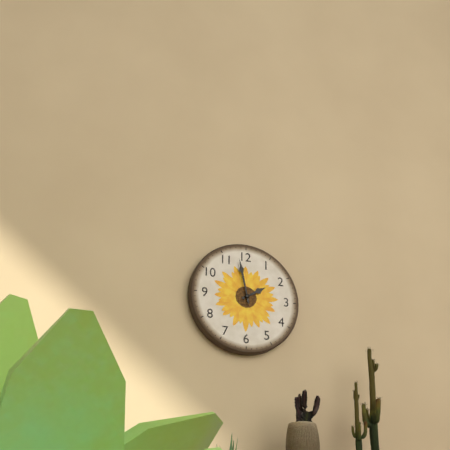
{"hour": 1, "minute": 58}
